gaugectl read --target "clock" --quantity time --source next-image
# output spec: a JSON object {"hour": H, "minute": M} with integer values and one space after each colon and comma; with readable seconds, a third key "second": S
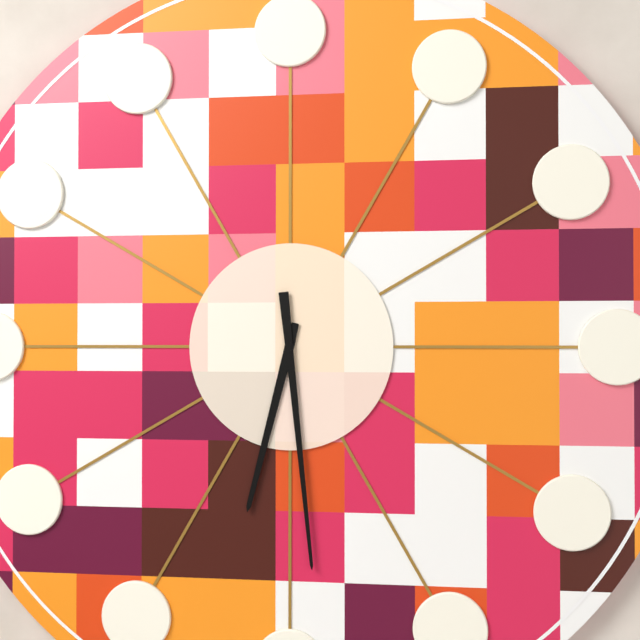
{"hour": 6, "minute": 29}
